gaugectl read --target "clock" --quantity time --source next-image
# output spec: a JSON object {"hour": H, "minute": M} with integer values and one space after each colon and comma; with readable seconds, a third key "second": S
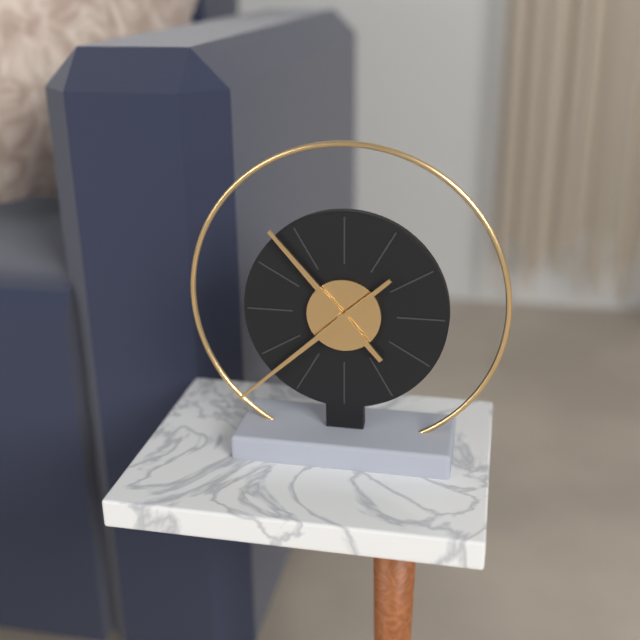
{"hour": 10, "minute": 38}
